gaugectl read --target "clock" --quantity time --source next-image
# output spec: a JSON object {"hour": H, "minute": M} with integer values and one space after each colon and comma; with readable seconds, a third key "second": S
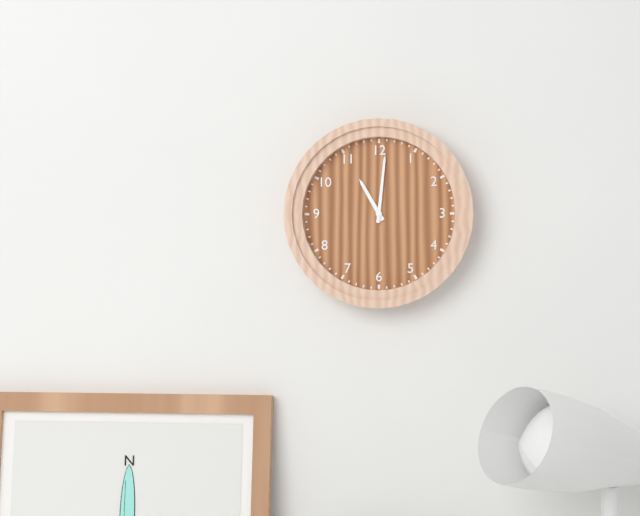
{"hour": 11, "minute": 1}
